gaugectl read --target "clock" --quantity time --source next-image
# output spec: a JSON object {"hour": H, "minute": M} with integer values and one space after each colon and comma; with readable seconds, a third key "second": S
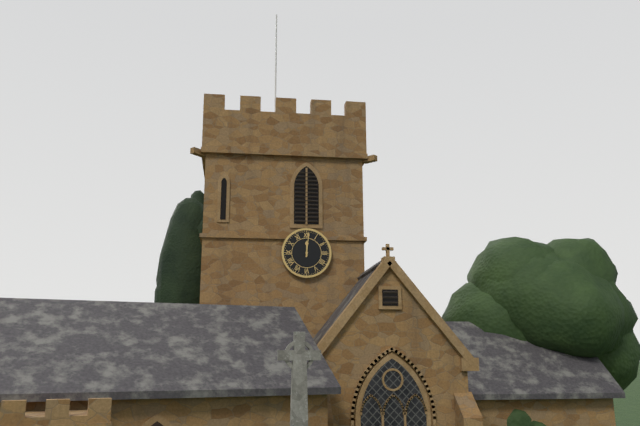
{"hour": 12, "minute": 1}
